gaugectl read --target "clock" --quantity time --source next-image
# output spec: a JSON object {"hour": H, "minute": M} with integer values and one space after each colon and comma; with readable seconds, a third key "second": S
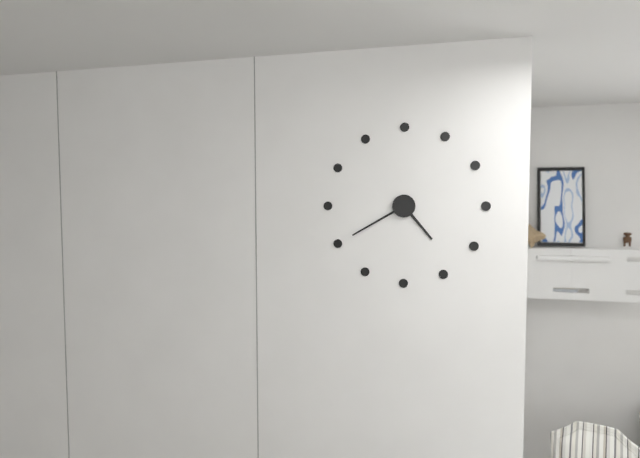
{"hour": 4, "minute": 40}
